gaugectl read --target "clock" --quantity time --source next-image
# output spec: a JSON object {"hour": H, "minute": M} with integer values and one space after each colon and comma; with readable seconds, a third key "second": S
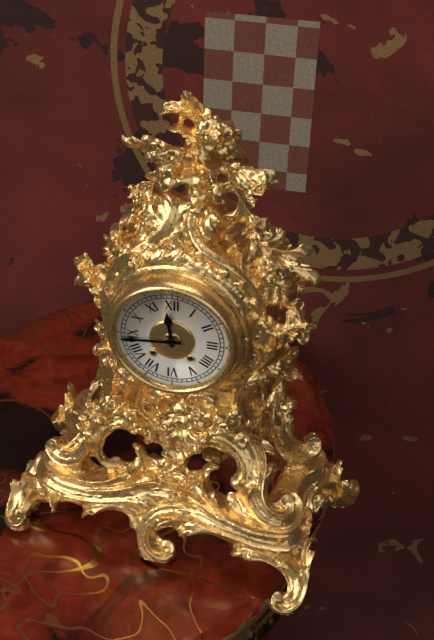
{"hour": 11, "minute": 44}
